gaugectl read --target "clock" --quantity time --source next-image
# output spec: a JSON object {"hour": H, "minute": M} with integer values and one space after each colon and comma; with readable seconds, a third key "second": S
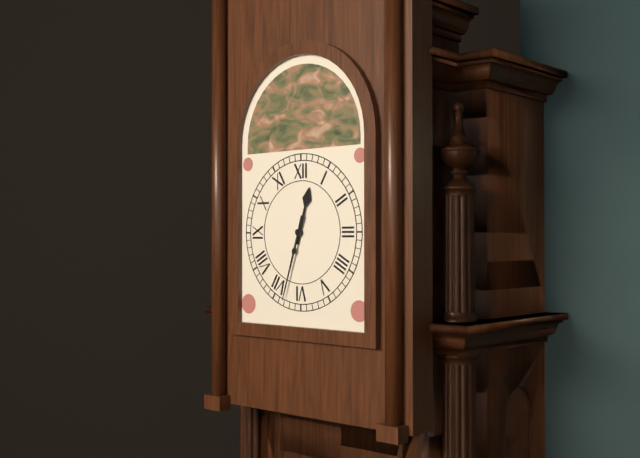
{"hour": 12, "minute": 33}
